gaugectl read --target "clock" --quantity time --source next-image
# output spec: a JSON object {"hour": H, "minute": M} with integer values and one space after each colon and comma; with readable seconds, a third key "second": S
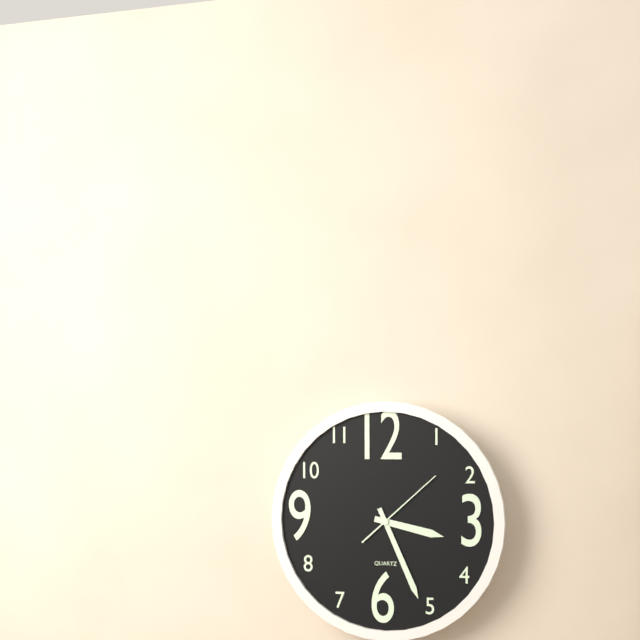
{"hour": 3, "minute": 26, "second": 8}
